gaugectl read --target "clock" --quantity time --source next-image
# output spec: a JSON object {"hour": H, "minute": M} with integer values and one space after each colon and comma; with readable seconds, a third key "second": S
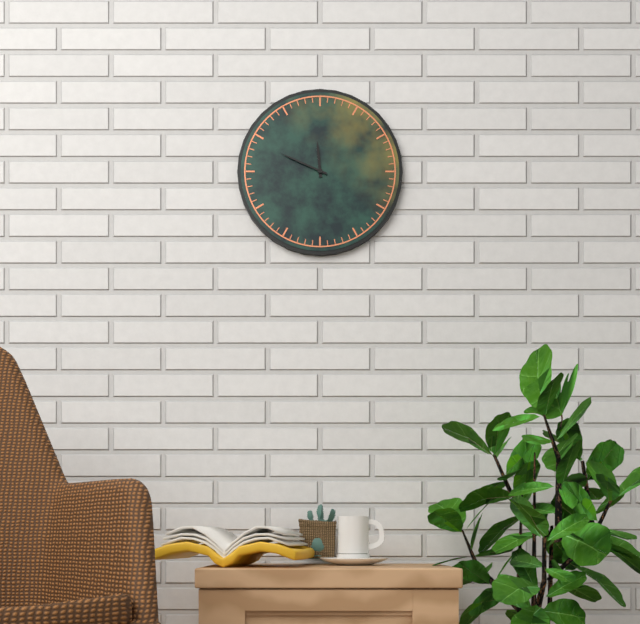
{"hour": 11, "minute": 49}
